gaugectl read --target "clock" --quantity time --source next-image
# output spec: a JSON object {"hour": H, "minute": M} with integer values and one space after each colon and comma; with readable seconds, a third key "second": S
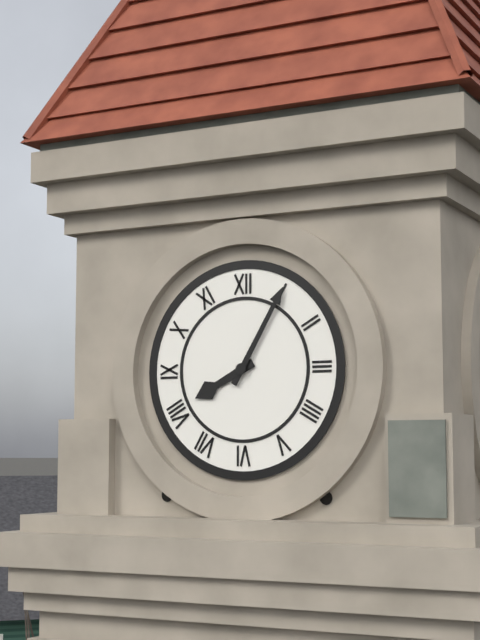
{"hour": 8, "minute": 5}
